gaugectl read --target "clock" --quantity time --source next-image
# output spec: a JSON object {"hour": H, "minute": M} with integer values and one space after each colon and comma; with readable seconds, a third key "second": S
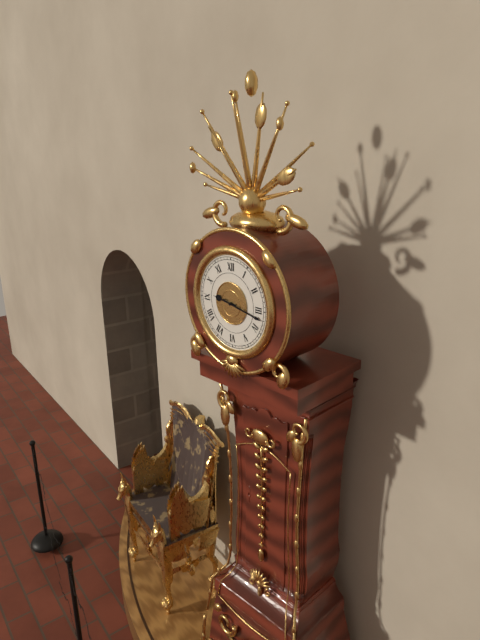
{"hour": 9, "minute": 17}
